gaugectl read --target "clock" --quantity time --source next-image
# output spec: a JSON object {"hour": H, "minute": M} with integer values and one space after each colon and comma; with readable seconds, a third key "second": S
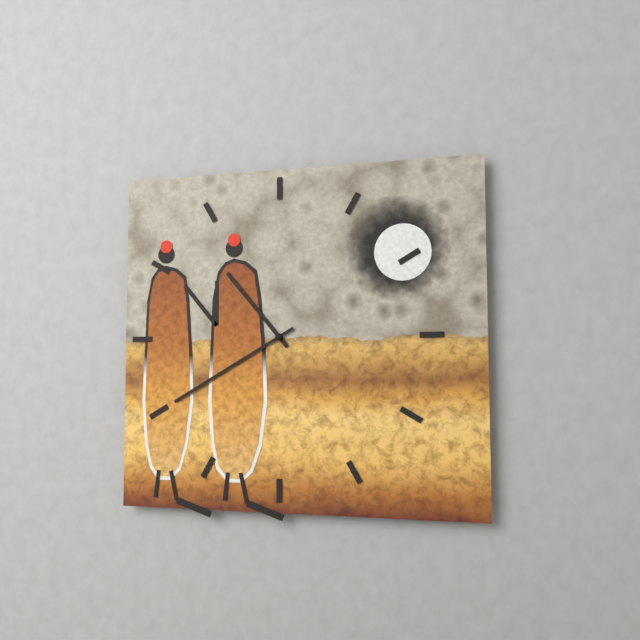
{"hour": 10, "minute": 40}
